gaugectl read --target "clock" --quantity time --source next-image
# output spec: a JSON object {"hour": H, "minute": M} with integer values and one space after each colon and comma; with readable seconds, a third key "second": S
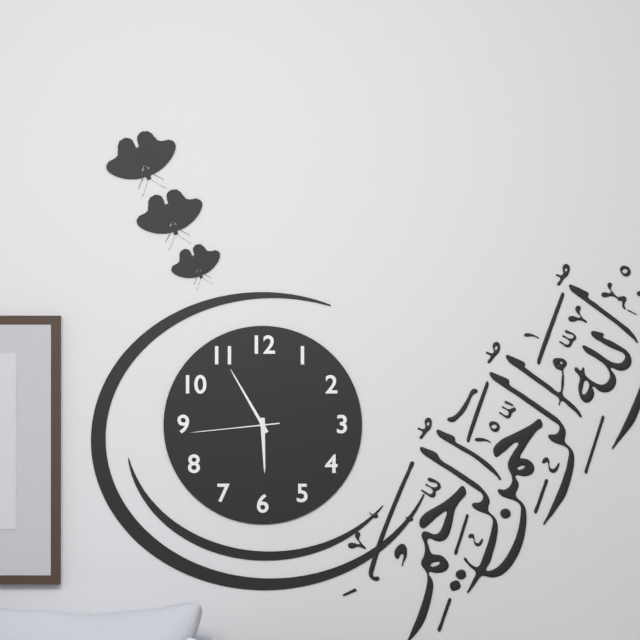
{"hour": 5, "minute": 55, "second": 44}
